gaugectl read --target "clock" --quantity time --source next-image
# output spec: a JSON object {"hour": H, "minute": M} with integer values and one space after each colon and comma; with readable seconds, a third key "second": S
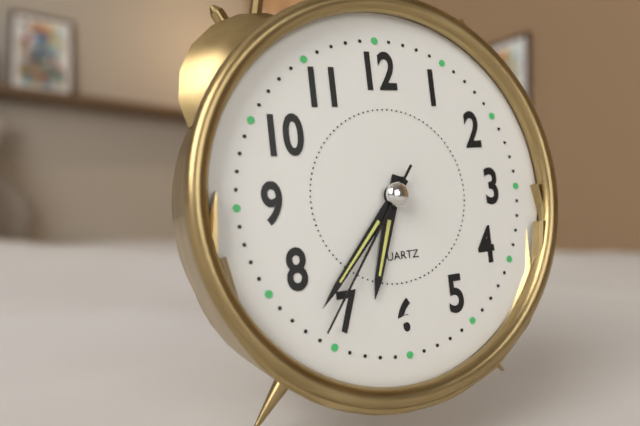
{"hour": 6, "minute": 37, "second": 36}
